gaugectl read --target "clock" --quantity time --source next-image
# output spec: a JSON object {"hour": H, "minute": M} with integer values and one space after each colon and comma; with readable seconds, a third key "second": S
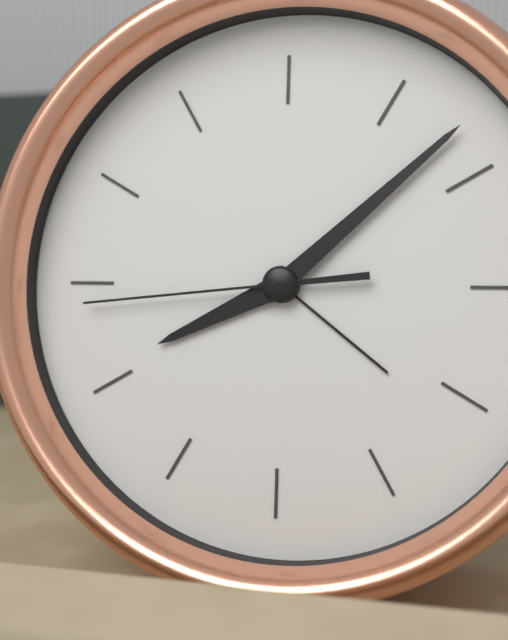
{"hour": 8, "minute": 8, "second": 44}
